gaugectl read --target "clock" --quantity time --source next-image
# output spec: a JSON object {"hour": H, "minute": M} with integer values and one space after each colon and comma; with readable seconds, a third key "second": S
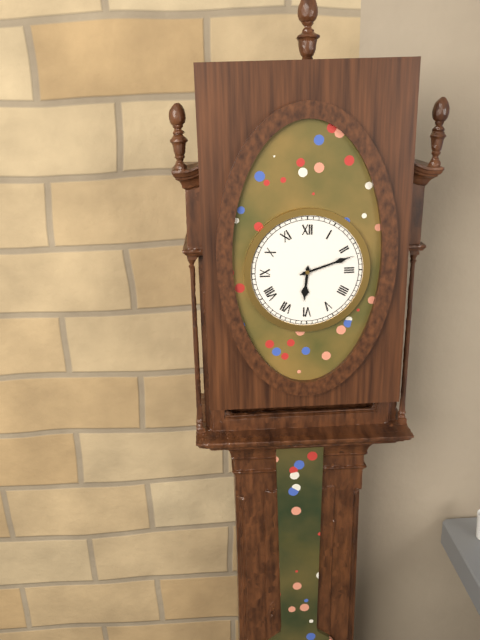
{"hour": 6, "minute": 12}
